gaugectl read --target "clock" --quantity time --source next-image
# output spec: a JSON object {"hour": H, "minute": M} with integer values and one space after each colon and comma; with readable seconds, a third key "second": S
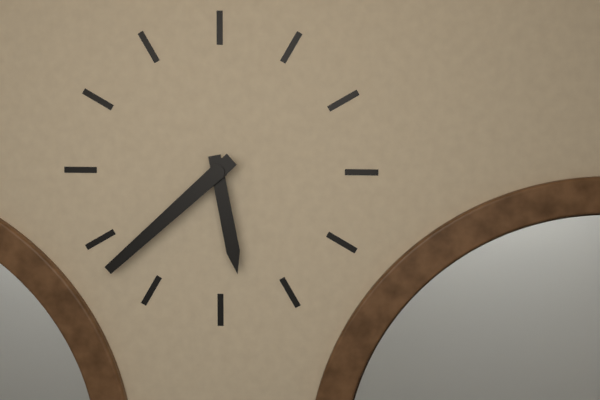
{"hour": 5, "minute": 38}
